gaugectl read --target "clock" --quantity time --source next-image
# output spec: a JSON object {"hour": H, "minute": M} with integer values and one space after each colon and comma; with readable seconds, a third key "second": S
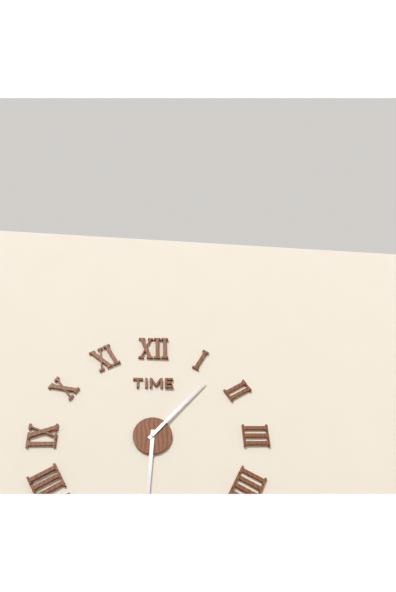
{"hour": 6, "minute": 7}
